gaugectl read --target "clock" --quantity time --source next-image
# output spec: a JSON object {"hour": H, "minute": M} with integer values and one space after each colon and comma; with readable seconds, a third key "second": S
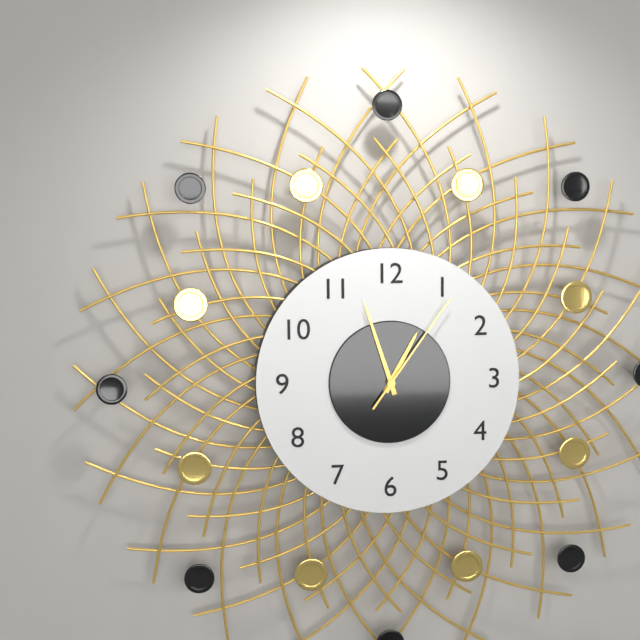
{"hour": 12, "minute": 57, "second": 6}
